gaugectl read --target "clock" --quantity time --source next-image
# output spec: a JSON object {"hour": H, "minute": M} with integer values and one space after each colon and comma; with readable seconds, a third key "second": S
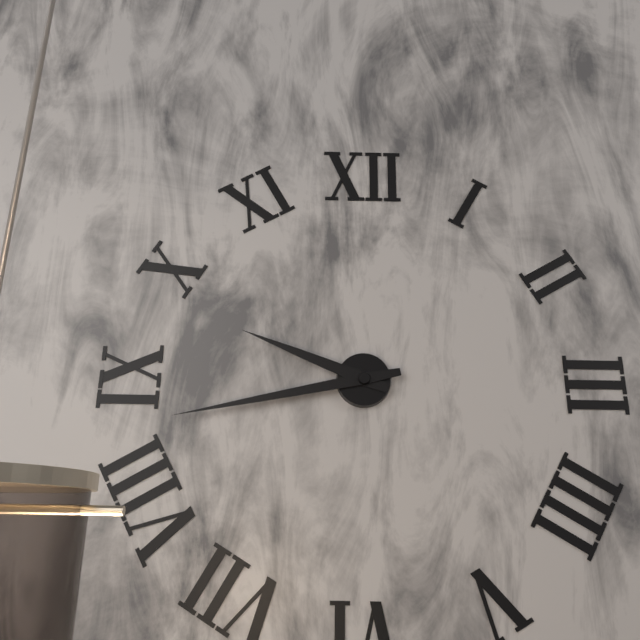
{"hour": 9, "minute": 43}
